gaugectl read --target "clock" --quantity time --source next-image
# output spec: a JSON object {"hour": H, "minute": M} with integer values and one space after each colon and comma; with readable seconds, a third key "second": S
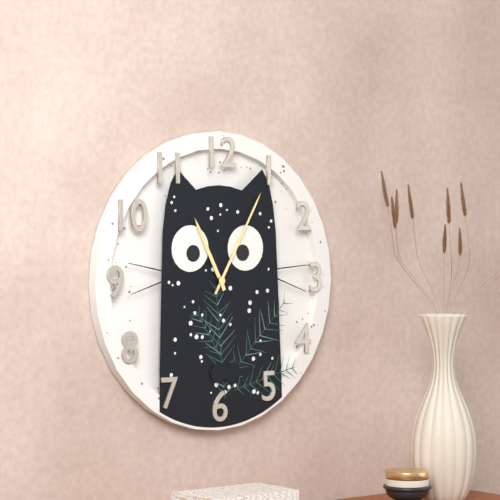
{"hour": 11, "minute": 5}
